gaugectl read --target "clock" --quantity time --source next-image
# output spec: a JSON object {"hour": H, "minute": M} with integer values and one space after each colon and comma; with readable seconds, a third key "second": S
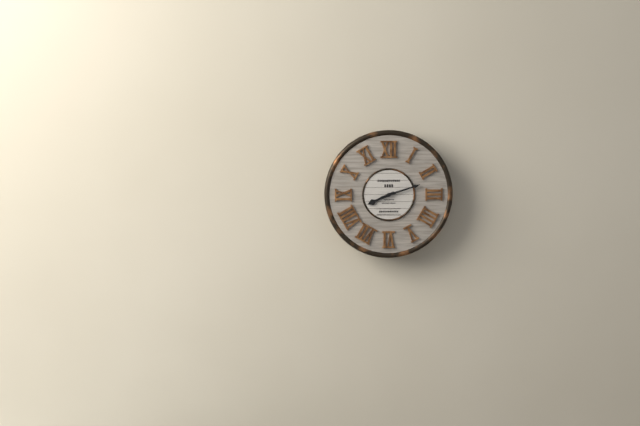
{"hour": 8, "minute": 12}
